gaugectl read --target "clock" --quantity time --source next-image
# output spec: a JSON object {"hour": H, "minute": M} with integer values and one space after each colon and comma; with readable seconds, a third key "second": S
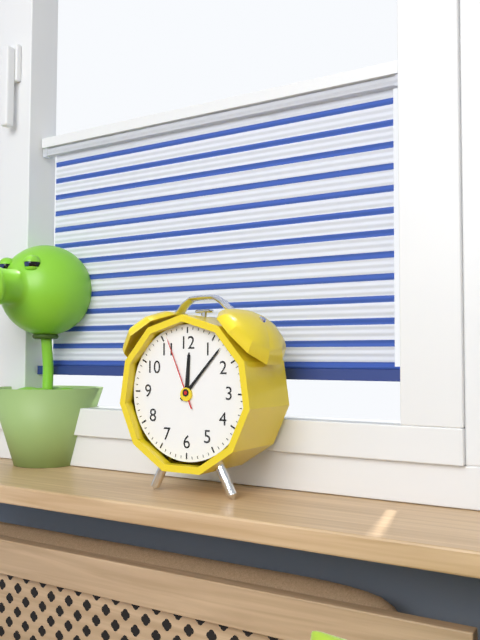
{"hour": 12, "minute": 7, "second": 56}
